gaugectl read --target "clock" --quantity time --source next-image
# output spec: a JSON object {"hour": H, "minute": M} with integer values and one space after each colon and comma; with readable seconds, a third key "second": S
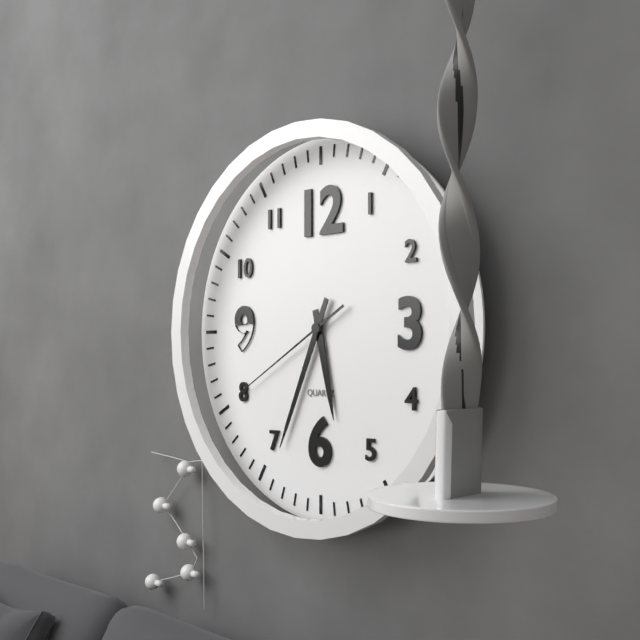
{"hour": 5, "minute": 34, "second": 40}
